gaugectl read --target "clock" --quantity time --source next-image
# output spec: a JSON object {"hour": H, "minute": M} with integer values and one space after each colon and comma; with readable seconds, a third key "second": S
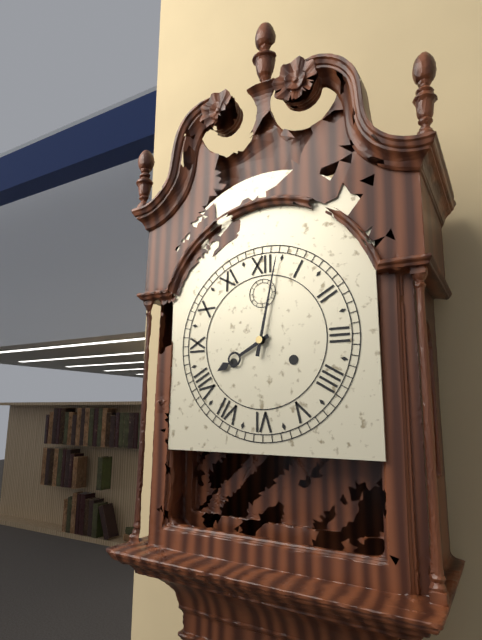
{"hour": 8, "minute": 2}
